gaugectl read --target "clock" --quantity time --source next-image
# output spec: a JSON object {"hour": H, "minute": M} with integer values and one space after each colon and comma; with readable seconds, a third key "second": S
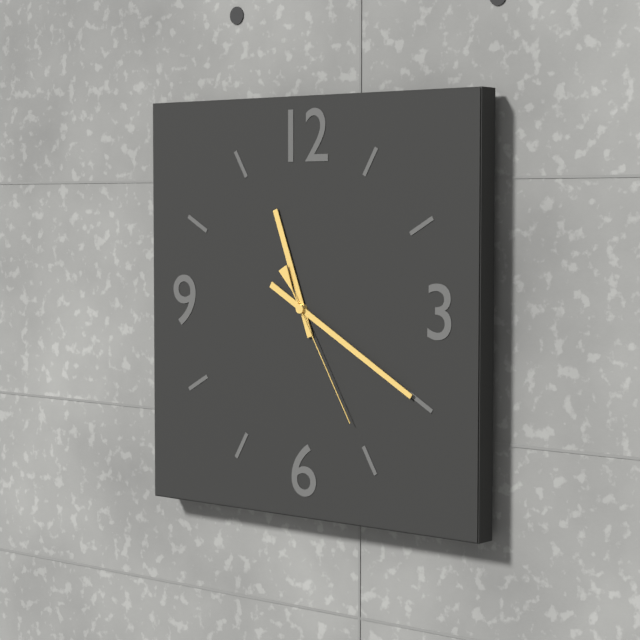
{"hour": 11, "minute": 20, "second": 25}
